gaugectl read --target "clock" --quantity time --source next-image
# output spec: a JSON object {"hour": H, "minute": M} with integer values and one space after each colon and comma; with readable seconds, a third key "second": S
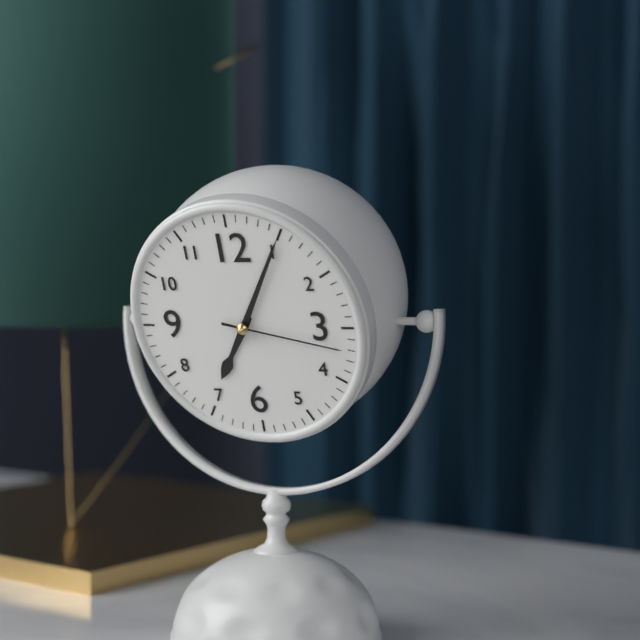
{"hour": 7, "minute": 5, "second": 17}
